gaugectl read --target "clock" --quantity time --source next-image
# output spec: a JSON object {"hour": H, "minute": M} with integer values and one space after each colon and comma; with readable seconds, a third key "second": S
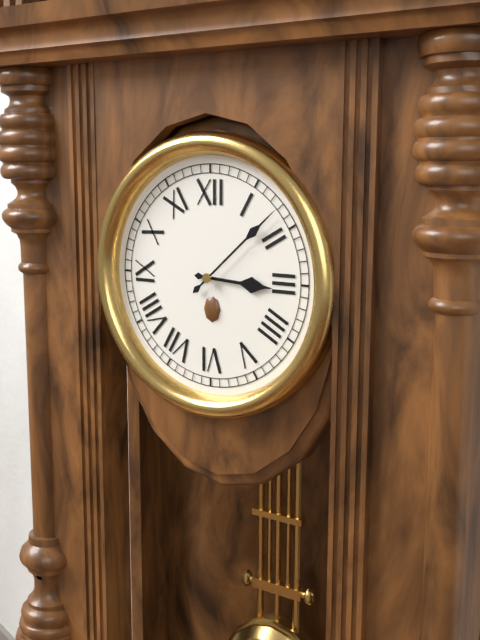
{"hour": 3, "minute": 8}
